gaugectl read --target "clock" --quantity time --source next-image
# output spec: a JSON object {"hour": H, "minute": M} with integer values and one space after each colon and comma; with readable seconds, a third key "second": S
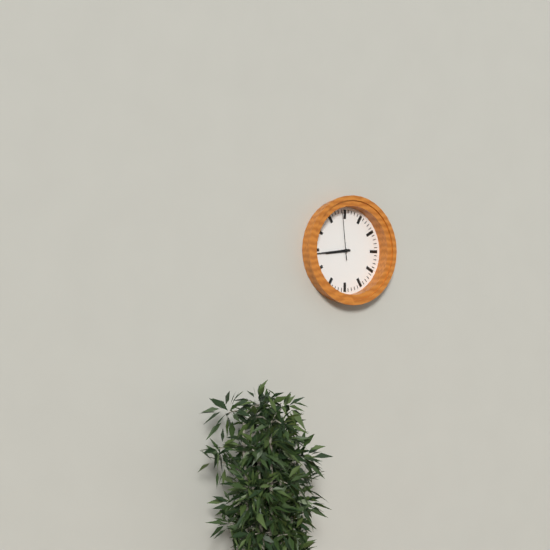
{"hour": 8, "minute": 44}
